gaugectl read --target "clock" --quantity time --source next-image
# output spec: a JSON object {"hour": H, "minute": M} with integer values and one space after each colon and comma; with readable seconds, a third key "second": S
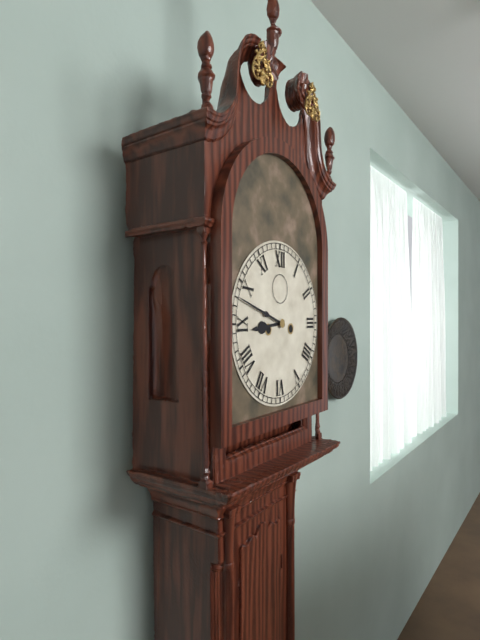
{"hour": 8, "minute": 48}
